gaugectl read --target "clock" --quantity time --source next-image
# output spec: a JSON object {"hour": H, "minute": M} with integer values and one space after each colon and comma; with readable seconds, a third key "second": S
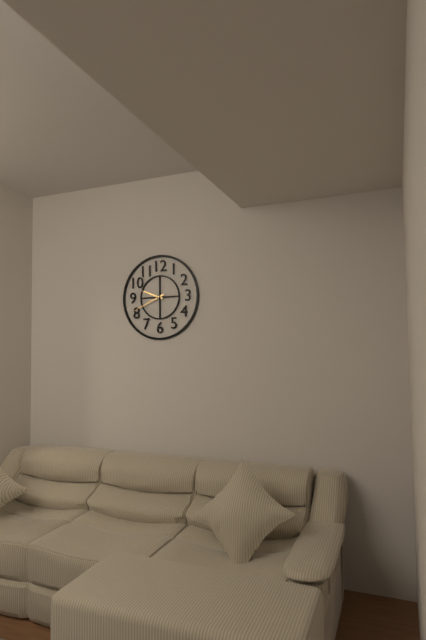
{"hour": 9, "minute": 41}
